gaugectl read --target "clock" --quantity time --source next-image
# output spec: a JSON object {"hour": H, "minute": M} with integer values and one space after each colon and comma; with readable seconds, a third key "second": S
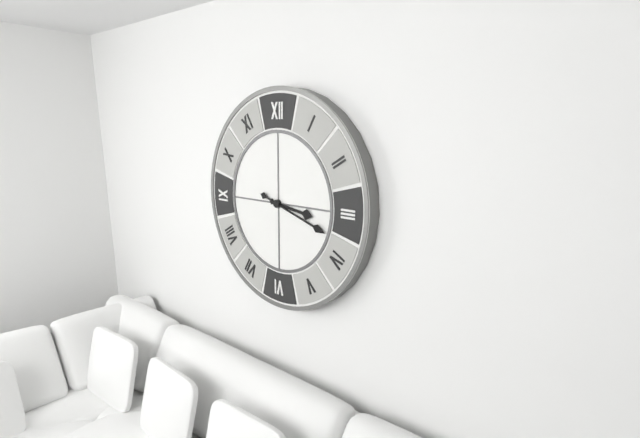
{"hour": 3, "minute": 18}
